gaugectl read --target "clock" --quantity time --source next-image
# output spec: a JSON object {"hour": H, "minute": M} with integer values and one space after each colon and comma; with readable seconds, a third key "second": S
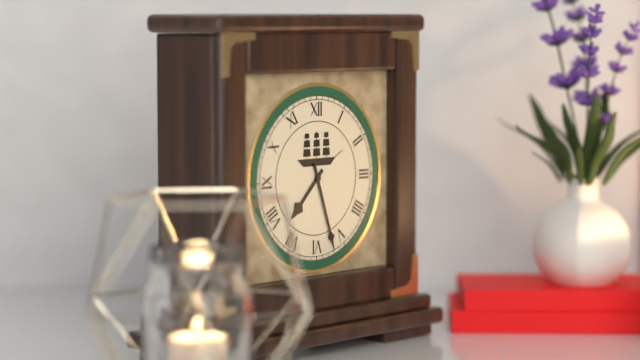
{"hour": 7, "minute": 27}
